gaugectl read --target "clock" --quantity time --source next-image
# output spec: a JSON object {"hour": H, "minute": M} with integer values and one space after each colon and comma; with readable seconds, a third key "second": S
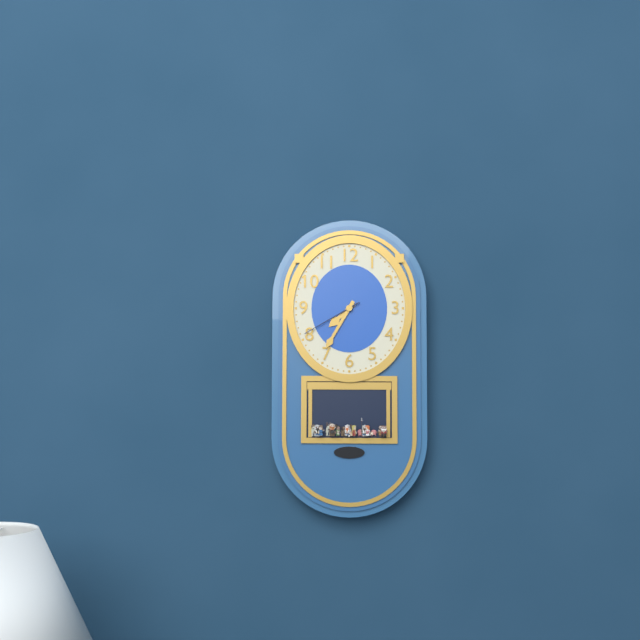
{"hour": 7, "minute": 35, "second": 40}
